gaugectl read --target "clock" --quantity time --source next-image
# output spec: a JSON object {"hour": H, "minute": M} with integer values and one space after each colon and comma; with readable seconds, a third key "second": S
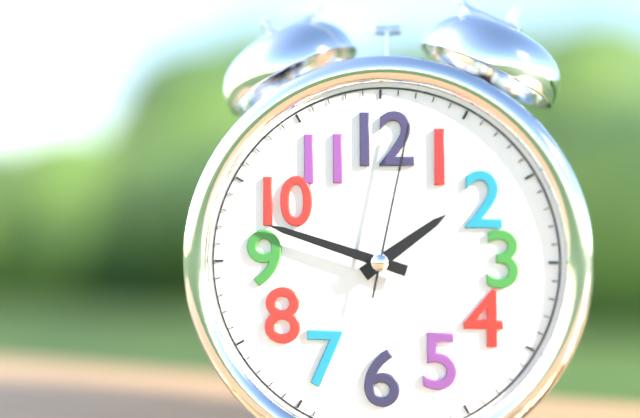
{"hour": 1, "minute": 48, "second": 2}
